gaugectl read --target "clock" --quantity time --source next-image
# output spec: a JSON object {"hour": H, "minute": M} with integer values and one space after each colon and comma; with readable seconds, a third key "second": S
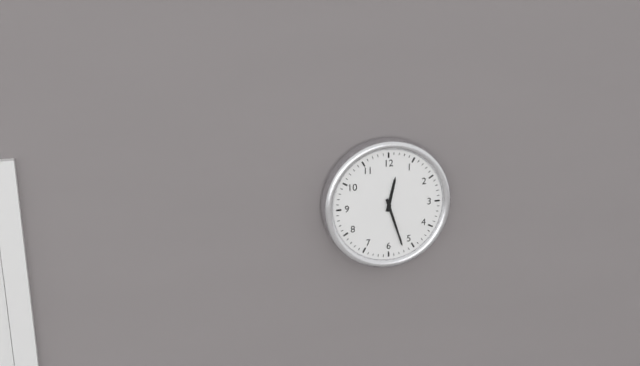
{"hour": 12, "minute": 27}
